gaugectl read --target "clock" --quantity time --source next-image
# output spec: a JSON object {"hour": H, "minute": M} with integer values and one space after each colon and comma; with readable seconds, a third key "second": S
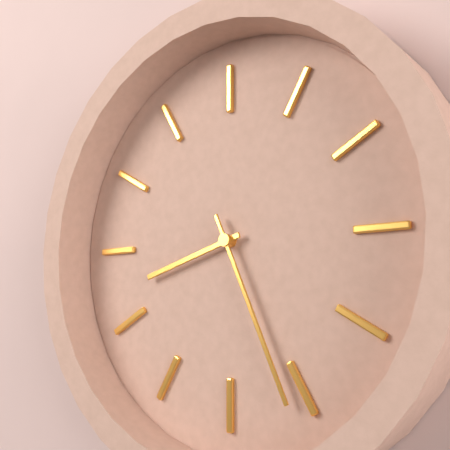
{"hour": 8, "minute": 26}
